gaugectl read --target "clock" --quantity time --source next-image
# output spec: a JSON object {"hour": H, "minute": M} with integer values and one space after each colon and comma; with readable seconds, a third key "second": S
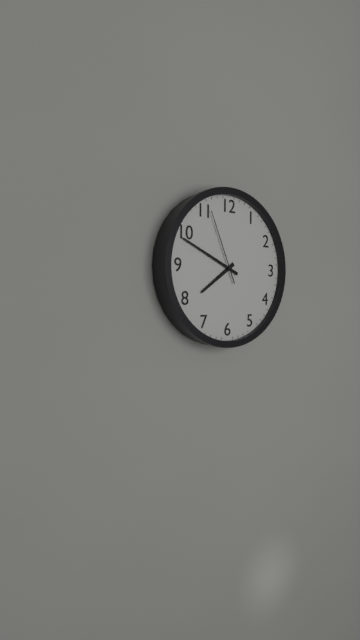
{"hour": 7, "minute": 49, "second": 56}
